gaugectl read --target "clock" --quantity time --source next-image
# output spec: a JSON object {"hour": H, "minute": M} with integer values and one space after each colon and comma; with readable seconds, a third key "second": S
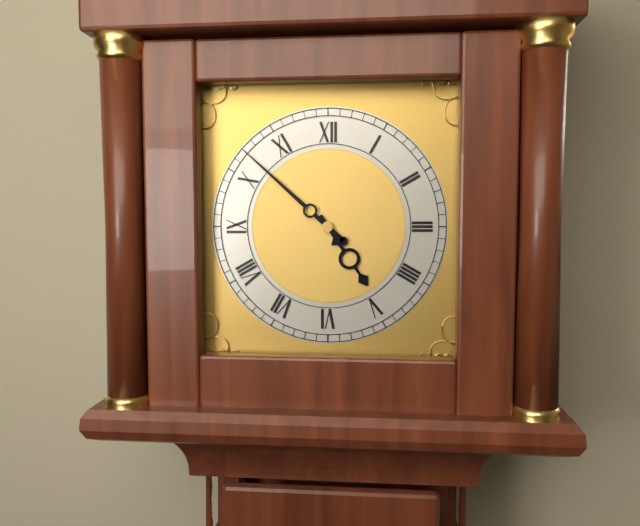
{"hour": 4, "minute": 52}
